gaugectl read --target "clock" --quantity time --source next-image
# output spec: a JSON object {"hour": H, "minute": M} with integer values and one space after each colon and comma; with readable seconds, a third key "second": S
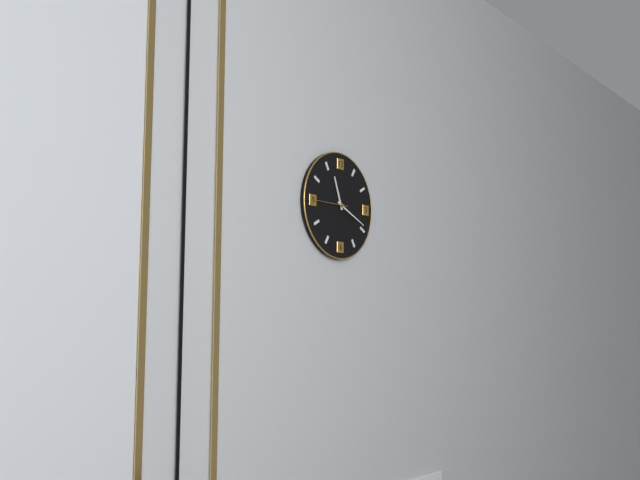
{"hour": 11, "minute": 19}
